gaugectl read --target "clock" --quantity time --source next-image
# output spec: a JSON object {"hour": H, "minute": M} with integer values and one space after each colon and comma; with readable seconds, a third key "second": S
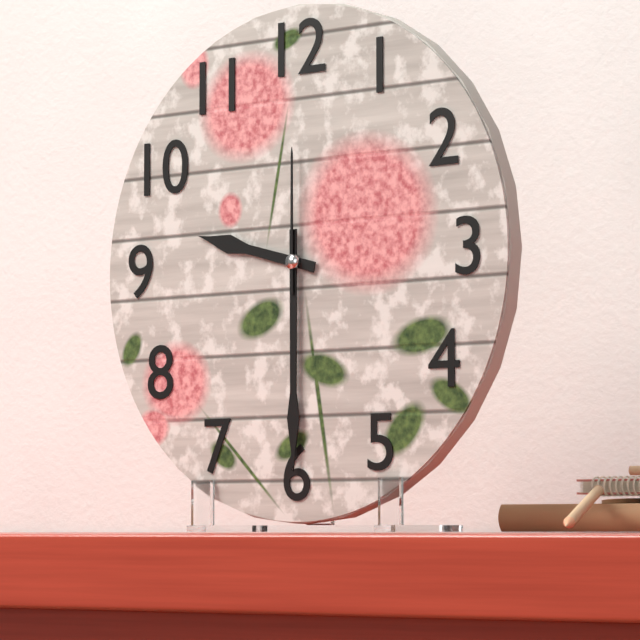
{"hour": 9, "minute": 30, "second": 0}
